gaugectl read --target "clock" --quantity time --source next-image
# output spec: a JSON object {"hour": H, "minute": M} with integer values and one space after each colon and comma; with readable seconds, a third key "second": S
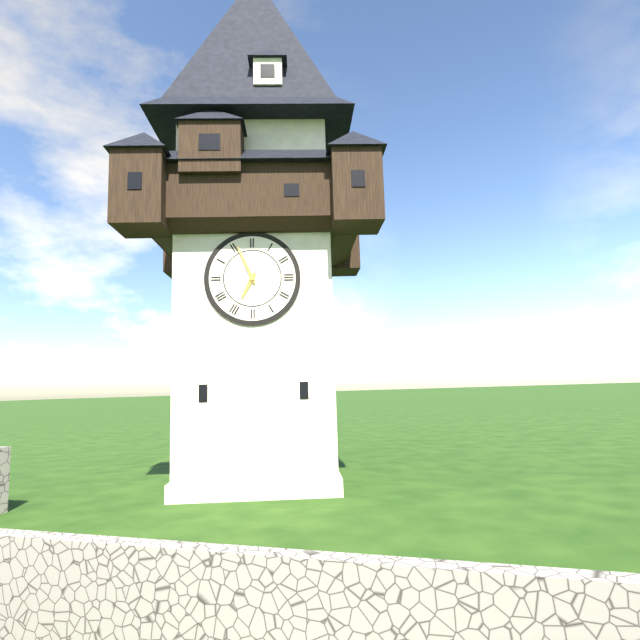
{"hour": 6, "minute": 56}
